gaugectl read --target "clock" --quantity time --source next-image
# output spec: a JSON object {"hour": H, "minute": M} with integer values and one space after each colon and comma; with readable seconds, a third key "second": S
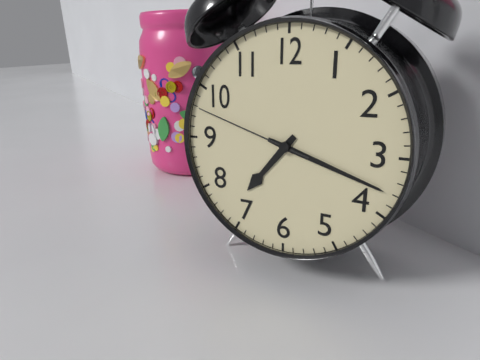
{"hour": 7, "minute": 18, "second": 48}
